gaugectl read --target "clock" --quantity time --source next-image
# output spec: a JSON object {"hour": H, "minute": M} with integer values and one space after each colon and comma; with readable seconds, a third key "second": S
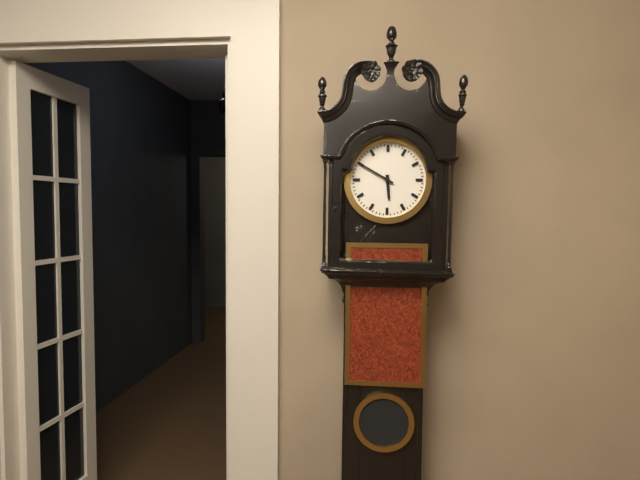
{"hour": 5, "minute": 50}
